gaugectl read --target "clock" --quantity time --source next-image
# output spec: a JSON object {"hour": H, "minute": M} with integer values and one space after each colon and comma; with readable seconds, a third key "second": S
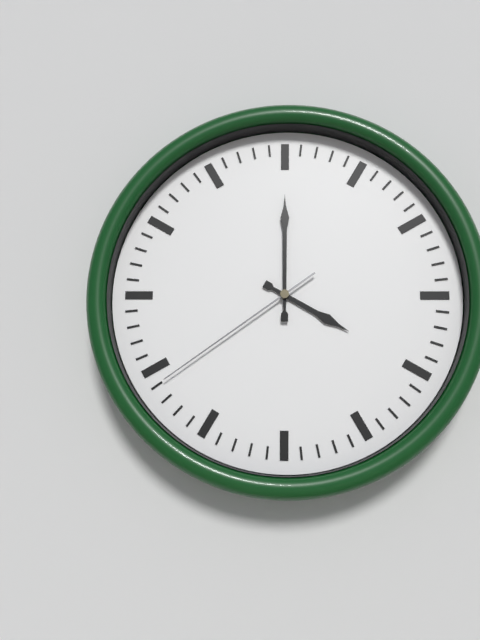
{"hour": 4, "minute": 0, "second": 39}
